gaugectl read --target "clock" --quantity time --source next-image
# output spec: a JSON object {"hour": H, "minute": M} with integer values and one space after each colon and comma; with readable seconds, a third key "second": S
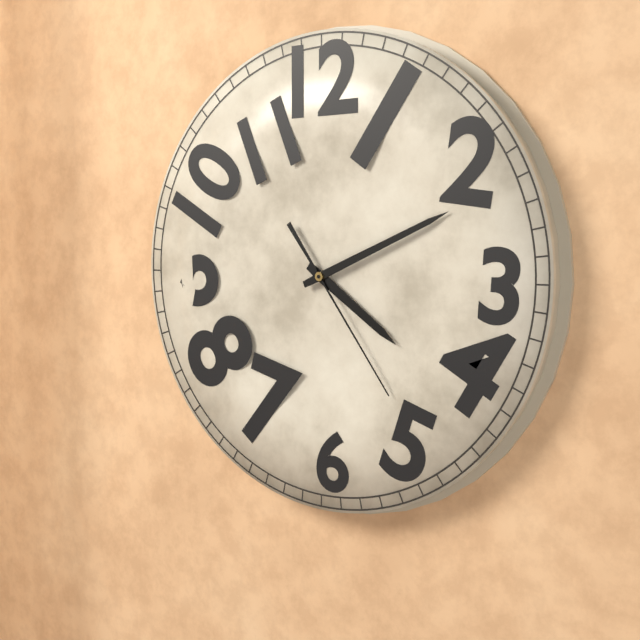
{"hour": 4, "minute": 11, "second": 24}
